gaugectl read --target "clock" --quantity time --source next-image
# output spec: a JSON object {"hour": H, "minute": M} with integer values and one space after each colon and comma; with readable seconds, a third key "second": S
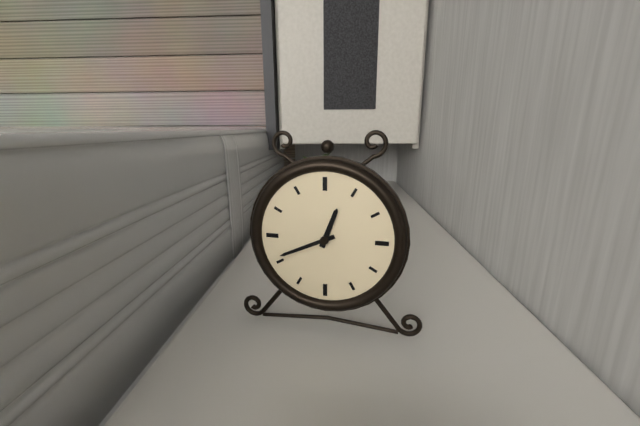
{"hour": 12, "minute": 41}
